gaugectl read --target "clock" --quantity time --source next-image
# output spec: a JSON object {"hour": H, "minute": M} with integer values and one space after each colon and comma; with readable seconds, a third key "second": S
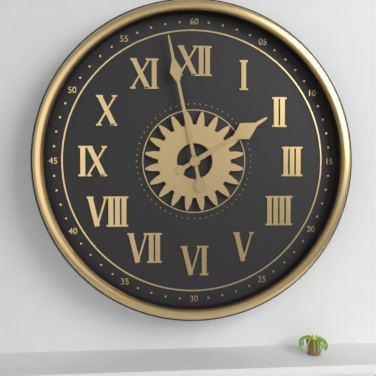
{"hour": 1, "minute": 58}
